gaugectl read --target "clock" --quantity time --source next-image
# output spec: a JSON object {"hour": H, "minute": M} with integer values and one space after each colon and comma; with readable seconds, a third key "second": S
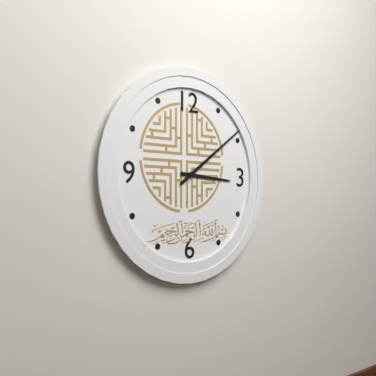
{"hour": 3, "minute": 9}
